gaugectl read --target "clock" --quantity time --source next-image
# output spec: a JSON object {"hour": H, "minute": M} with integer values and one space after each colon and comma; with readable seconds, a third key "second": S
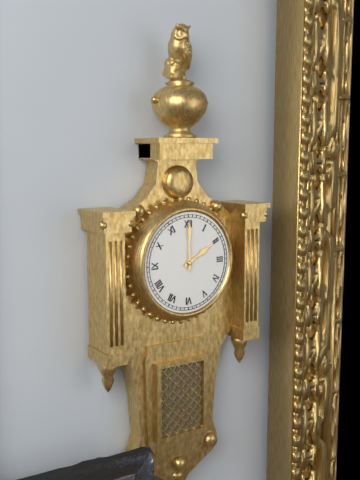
{"hour": 2, "minute": 0}
